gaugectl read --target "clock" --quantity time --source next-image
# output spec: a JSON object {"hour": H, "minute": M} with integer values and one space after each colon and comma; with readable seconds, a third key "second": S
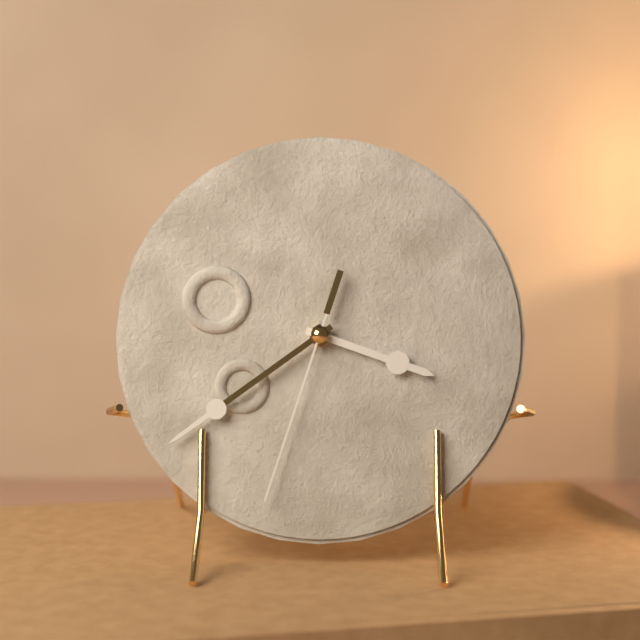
{"hour": 3, "minute": 39, "second": 33}
